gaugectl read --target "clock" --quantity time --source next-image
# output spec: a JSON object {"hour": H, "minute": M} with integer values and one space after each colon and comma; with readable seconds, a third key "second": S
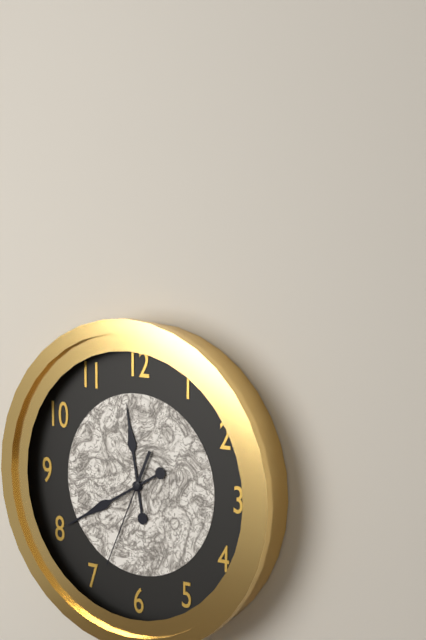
{"hour": 11, "minute": 40, "second": 34}
